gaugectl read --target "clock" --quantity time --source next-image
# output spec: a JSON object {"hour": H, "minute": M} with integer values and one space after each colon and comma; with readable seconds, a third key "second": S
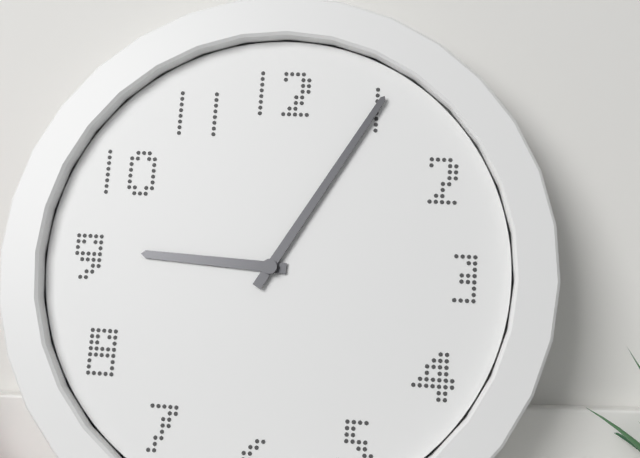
{"hour": 9, "minute": 5}
